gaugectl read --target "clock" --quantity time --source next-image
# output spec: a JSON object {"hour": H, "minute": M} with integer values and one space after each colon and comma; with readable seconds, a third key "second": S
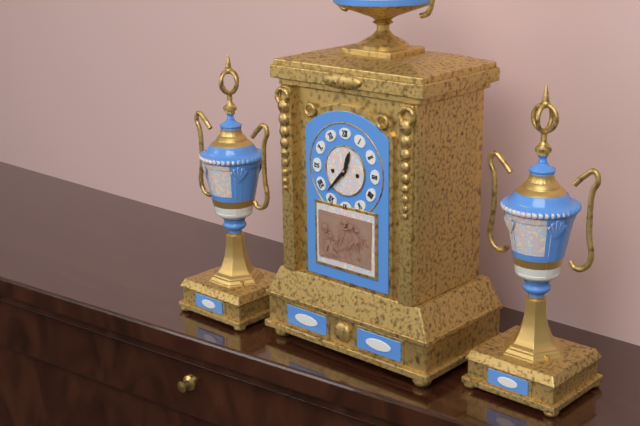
{"hour": 12, "minute": 37}
